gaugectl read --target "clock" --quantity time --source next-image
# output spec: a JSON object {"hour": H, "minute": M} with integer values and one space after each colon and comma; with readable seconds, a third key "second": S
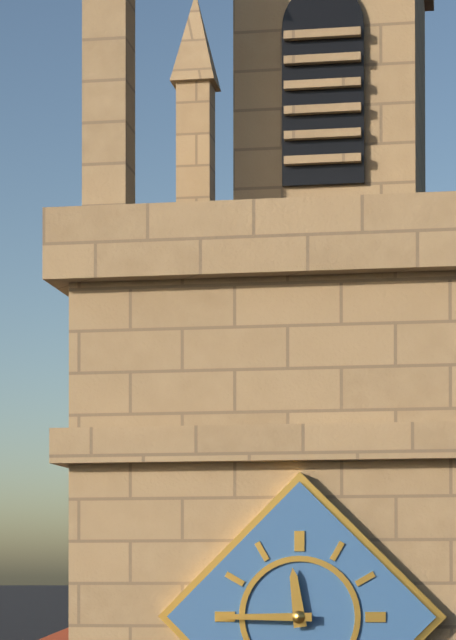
{"hour": 11, "minute": 45}
